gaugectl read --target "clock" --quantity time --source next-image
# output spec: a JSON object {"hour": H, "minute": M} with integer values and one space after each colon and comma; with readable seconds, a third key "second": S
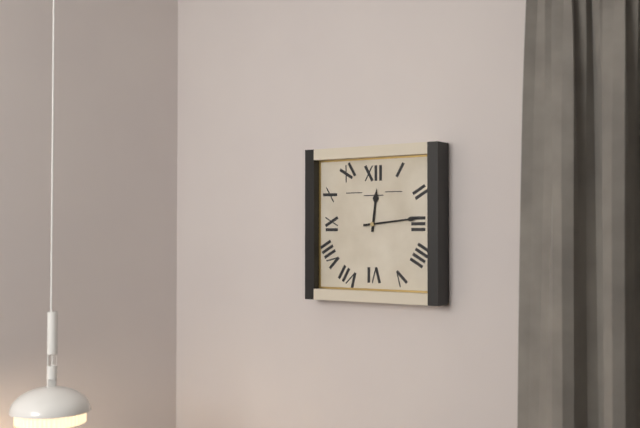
{"hour": 12, "minute": 14}
